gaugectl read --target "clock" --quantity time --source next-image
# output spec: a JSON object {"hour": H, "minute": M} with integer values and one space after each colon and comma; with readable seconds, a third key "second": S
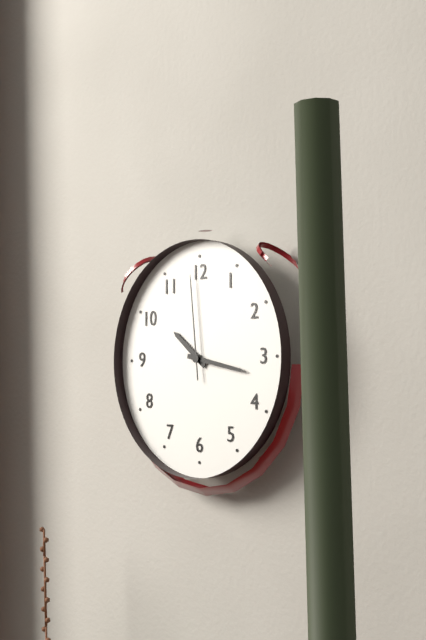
{"hour": 10, "minute": 17, "second": 59}
